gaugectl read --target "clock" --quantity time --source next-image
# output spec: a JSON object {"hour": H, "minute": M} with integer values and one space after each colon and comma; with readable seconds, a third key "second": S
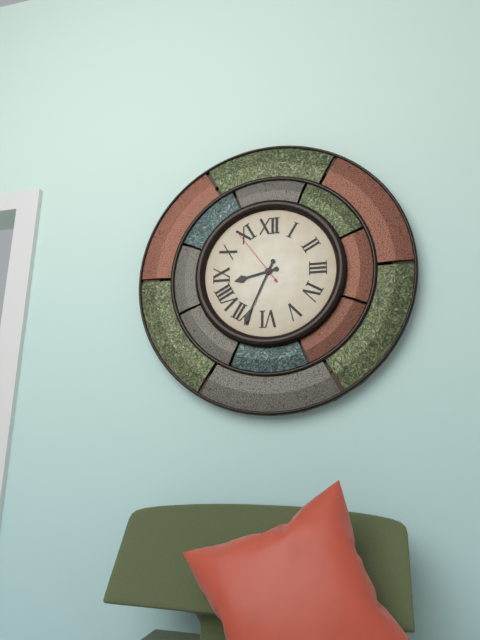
{"hour": 8, "minute": 34, "second": 54}
